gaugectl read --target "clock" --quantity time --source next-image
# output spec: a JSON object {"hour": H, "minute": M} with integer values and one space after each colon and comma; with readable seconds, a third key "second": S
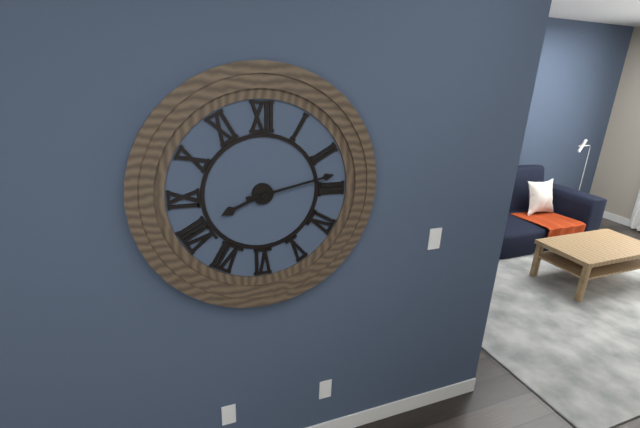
{"hour": 8, "minute": 13, "second": 13}
